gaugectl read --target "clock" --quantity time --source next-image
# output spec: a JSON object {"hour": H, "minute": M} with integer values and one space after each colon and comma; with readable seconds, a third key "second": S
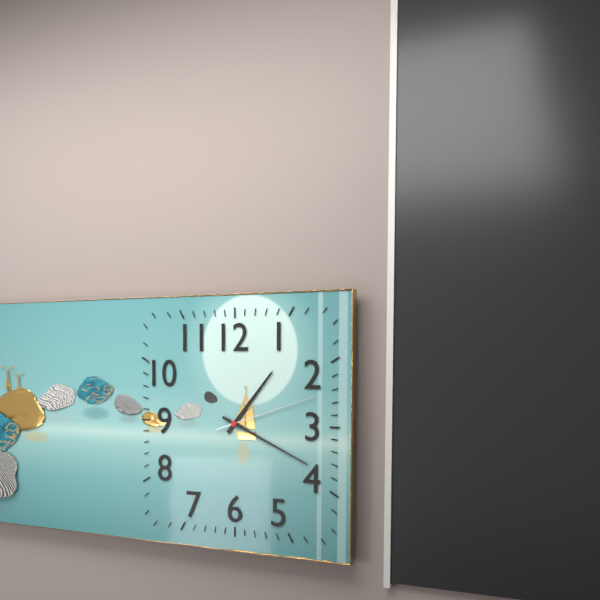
{"hour": 1, "minute": 19, "second": 12}
